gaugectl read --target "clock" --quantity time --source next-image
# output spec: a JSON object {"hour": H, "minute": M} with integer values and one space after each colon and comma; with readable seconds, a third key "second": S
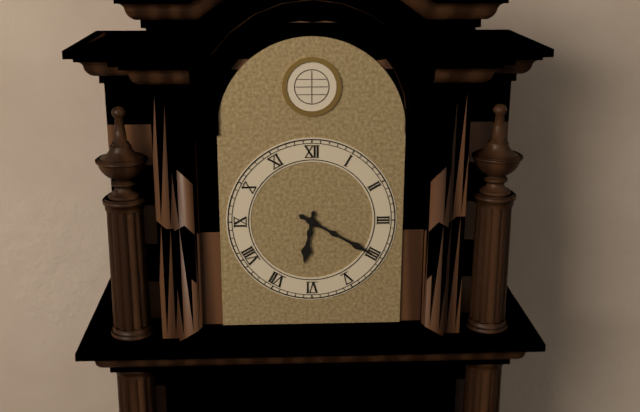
{"hour": 6, "minute": 20}
